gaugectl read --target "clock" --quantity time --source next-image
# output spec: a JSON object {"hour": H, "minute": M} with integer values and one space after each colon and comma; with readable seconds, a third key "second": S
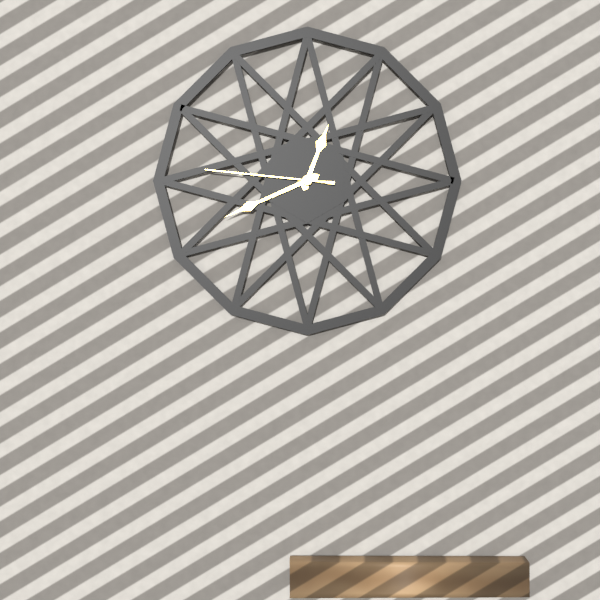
{"hour": 12, "minute": 41, "second": 46}
